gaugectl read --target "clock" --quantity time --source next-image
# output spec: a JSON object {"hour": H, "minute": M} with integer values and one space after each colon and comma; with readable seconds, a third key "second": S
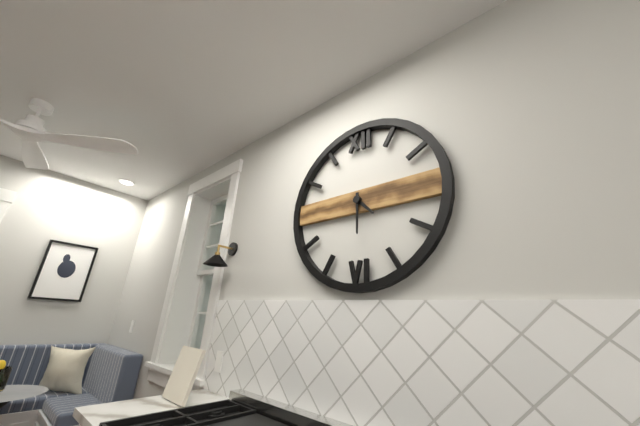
{"hour": 4, "minute": 30}
